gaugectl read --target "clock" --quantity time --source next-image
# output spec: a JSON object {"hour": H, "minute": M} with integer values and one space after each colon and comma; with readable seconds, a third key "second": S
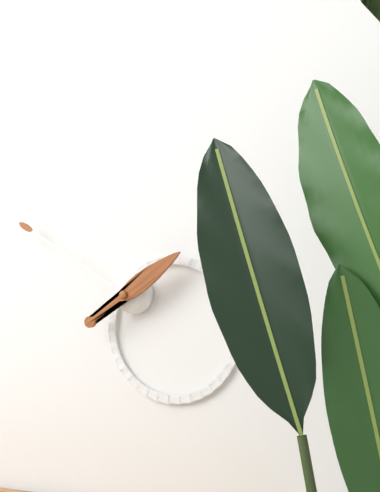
{"hour": 1, "minute": 50}
